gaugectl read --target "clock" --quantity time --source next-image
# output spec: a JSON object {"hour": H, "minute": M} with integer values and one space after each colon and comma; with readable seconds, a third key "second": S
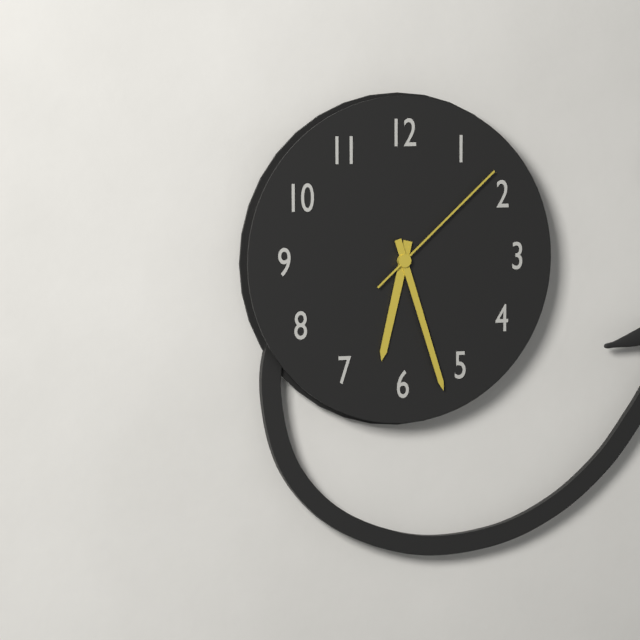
{"hour": 6, "minute": 27, "second": 8}
